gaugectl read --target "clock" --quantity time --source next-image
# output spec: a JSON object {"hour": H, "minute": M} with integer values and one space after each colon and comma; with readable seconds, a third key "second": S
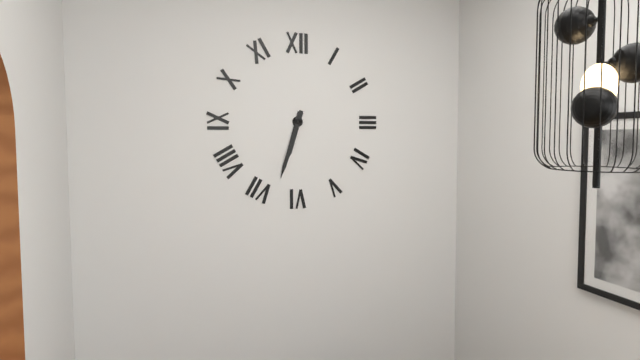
{"hour": 6, "minute": 33}
